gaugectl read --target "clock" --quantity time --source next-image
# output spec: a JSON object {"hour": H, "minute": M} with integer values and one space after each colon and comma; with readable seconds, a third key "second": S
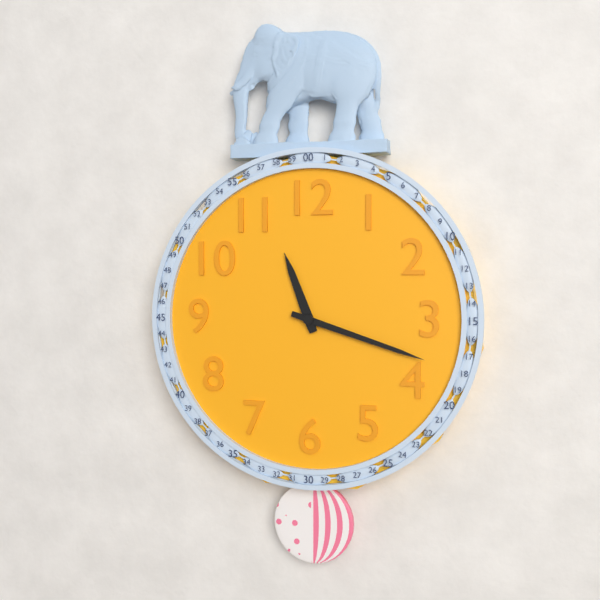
{"hour": 11, "minute": 18}
